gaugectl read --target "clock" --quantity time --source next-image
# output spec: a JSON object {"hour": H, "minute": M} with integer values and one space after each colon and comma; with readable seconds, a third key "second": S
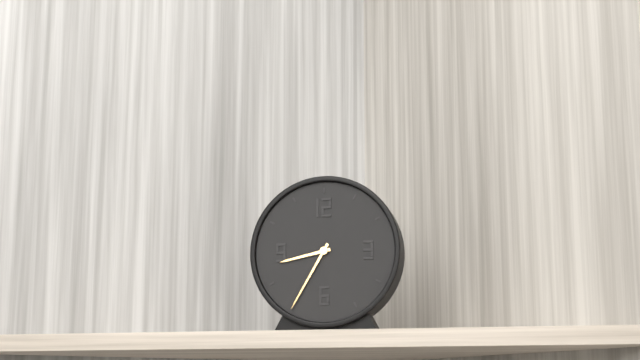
{"hour": 8, "minute": 35}
